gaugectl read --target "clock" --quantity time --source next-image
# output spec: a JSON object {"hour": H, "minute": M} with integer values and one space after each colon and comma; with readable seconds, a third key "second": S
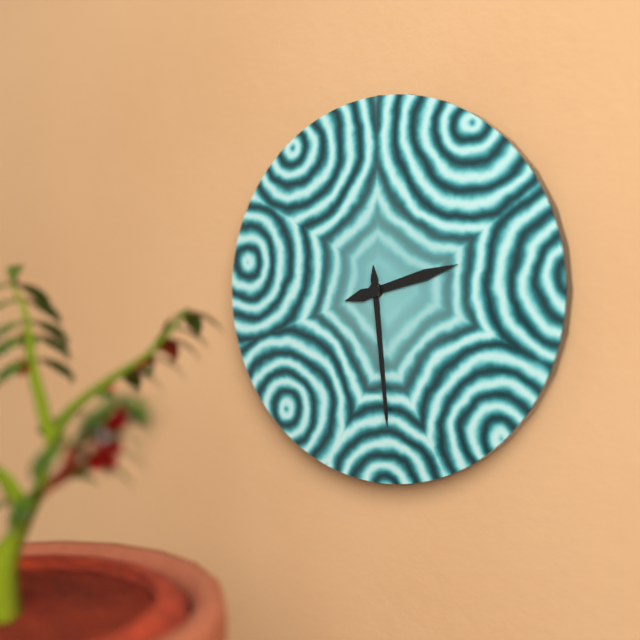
{"hour": 2, "minute": 29}
